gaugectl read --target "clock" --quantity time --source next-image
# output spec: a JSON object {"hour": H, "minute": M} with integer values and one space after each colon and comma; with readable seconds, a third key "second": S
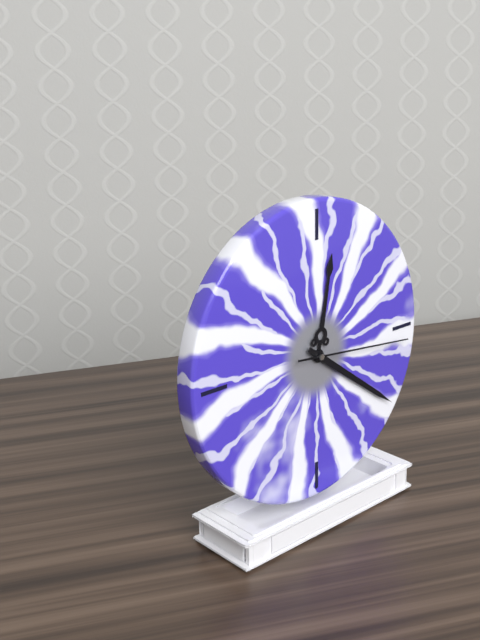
{"hour": 12, "minute": 21, "second": 16}
